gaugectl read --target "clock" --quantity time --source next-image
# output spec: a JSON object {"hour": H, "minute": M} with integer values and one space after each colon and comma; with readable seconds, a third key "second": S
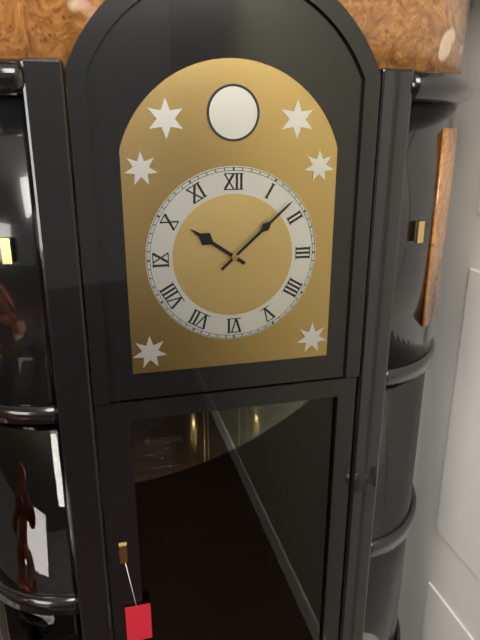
{"hour": 10, "minute": 8}
